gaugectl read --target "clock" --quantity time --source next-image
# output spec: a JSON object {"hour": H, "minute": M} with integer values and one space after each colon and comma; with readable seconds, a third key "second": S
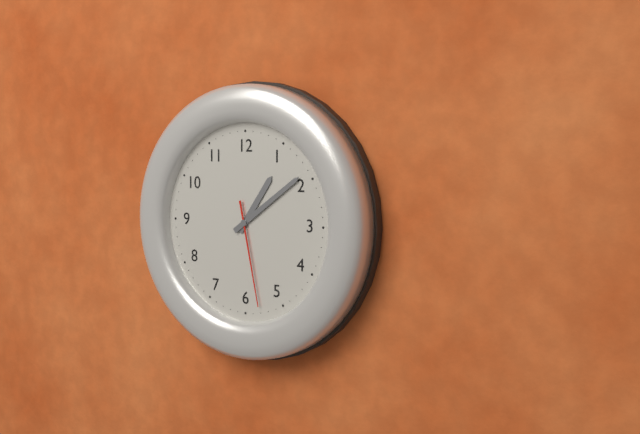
{"hour": 1, "minute": 9, "second": 28}
